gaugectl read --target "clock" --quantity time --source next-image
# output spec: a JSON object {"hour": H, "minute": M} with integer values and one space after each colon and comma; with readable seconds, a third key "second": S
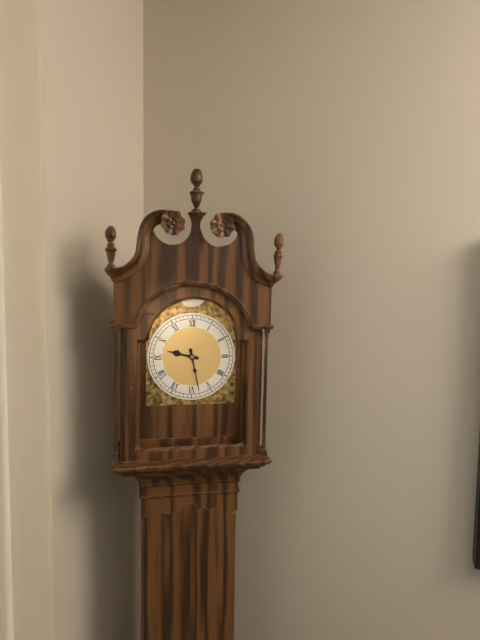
{"hour": 9, "minute": 28}
